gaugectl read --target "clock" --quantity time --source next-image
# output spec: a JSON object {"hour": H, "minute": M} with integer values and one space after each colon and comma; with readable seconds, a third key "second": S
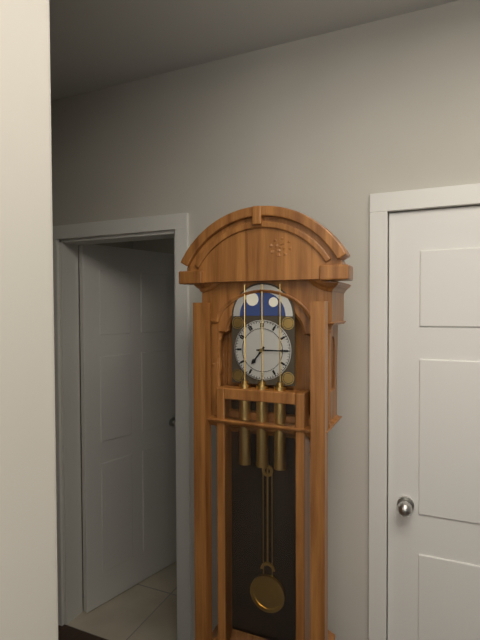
{"hour": 7, "minute": 15}
